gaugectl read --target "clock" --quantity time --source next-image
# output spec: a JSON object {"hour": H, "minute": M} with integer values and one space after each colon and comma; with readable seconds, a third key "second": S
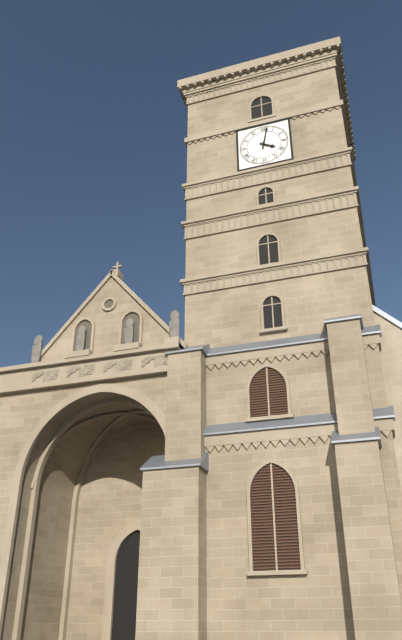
{"hour": 4, "minute": 2}
